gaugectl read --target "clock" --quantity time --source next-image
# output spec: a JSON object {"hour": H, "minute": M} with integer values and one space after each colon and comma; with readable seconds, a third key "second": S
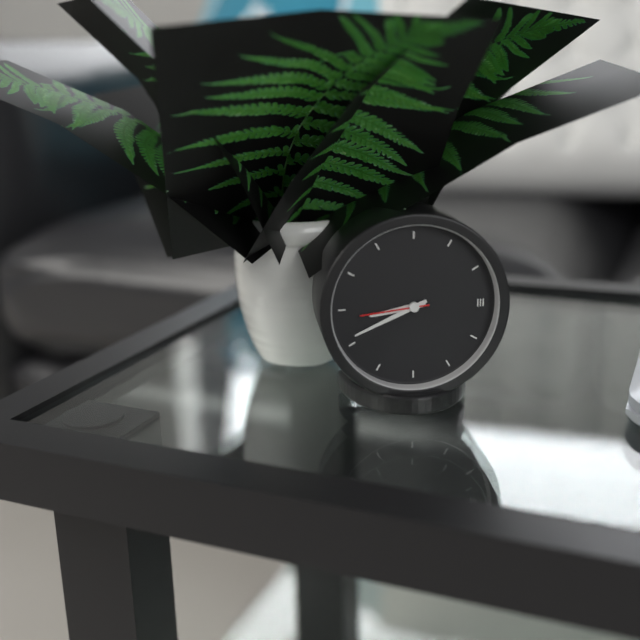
{"hour": 8, "minute": 41, "second": 44}
